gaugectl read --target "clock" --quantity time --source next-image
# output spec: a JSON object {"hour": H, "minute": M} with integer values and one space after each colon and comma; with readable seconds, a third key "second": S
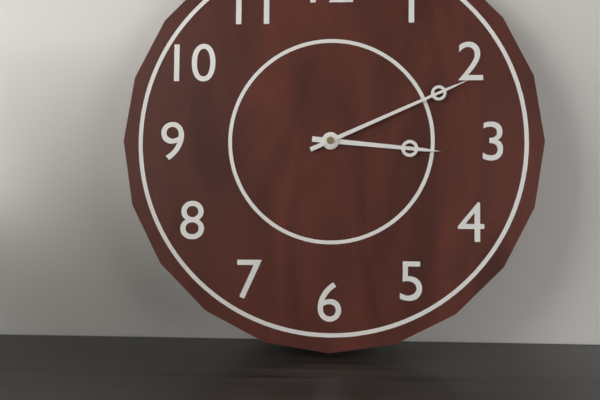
{"hour": 3, "minute": 11}
